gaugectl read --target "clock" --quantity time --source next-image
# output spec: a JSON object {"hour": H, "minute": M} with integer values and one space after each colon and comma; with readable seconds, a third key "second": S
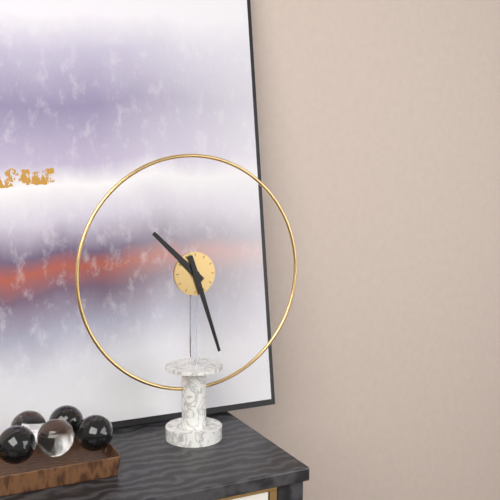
{"hour": 10, "minute": 27}
